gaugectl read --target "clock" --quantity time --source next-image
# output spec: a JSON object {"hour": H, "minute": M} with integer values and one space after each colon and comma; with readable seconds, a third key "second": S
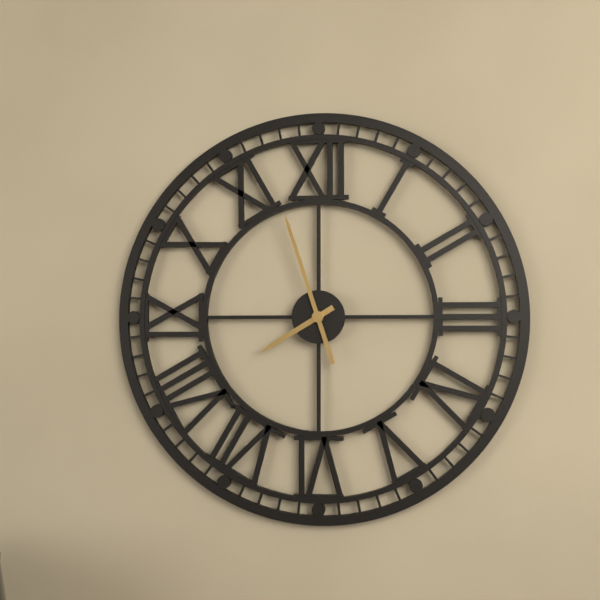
{"hour": 7, "minute": 57}
